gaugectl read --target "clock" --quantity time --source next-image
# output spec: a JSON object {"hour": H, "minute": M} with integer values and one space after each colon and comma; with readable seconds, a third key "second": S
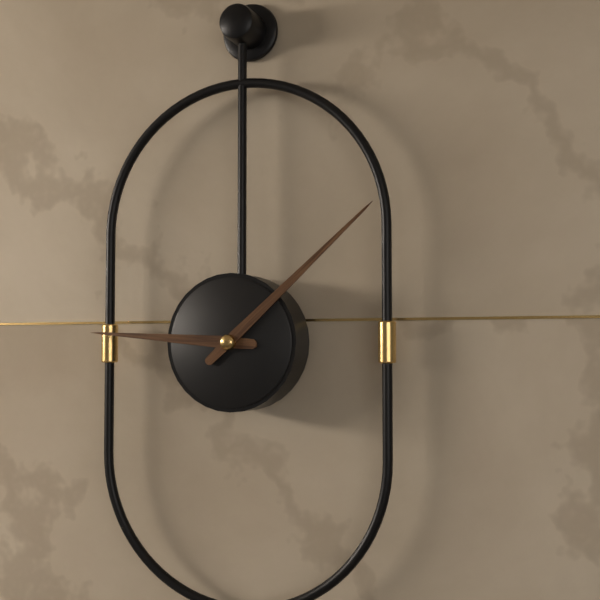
{"hour": 9, "minute": 8}
